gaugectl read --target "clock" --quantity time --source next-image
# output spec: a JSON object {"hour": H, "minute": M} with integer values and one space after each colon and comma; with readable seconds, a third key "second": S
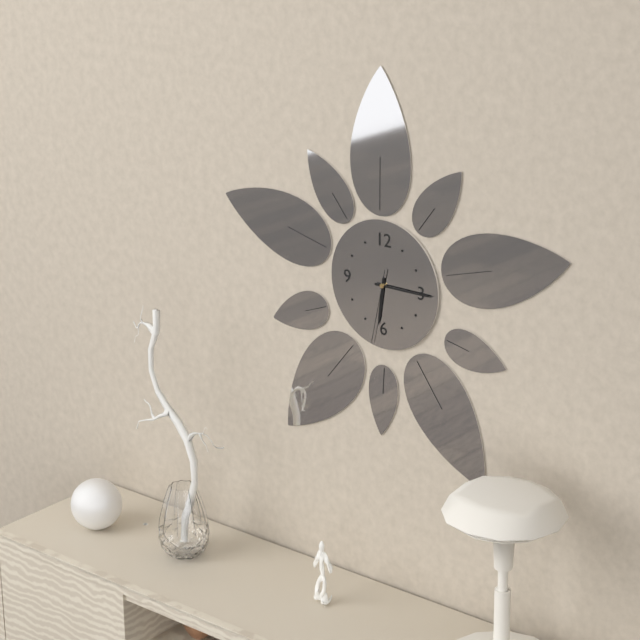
{"hour": 6, "minute": 15, "second": 32}
